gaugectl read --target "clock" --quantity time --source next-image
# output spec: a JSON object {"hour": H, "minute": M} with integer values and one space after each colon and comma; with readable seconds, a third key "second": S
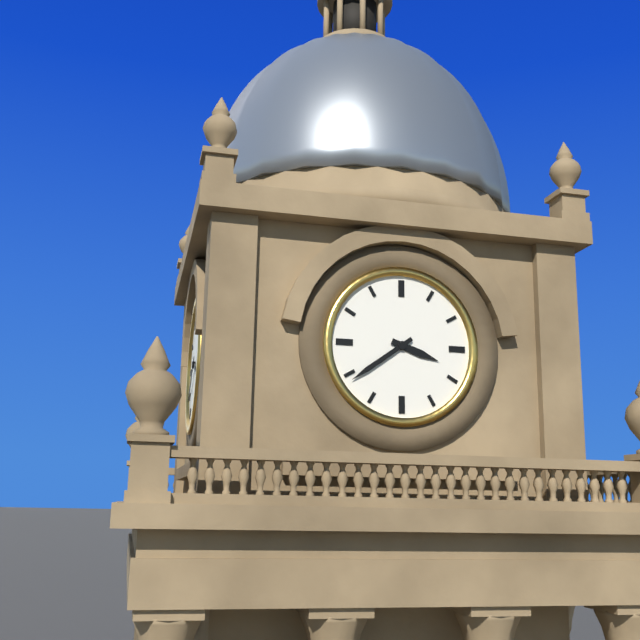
{"hour": 3, "minute": 39}
